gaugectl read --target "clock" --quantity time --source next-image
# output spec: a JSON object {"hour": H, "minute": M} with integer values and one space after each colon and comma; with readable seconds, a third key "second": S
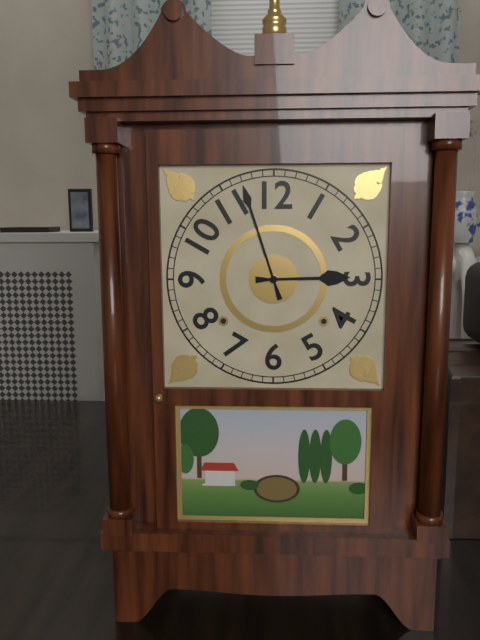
{"hour": 2, "minute": 57}
